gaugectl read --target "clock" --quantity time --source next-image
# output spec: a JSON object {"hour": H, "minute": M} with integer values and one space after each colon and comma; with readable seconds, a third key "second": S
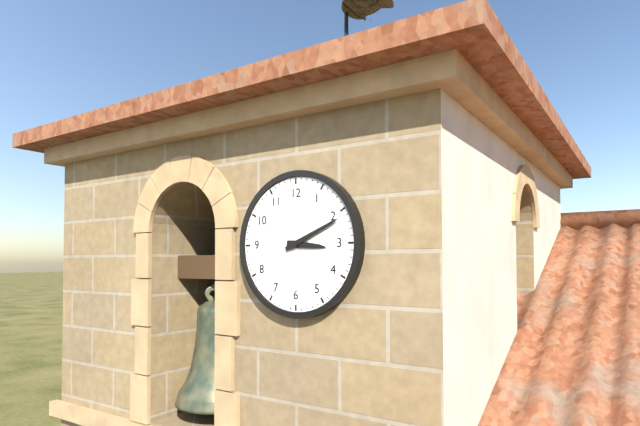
{"hour": 3, "minute": 11}
